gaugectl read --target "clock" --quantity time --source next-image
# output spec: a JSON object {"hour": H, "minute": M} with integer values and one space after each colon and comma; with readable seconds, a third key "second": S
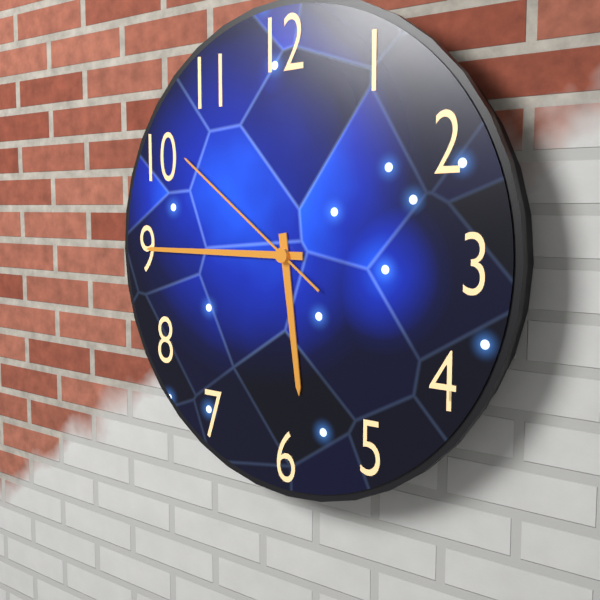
{"hour": 5, "minute": 45, "second": 51}
